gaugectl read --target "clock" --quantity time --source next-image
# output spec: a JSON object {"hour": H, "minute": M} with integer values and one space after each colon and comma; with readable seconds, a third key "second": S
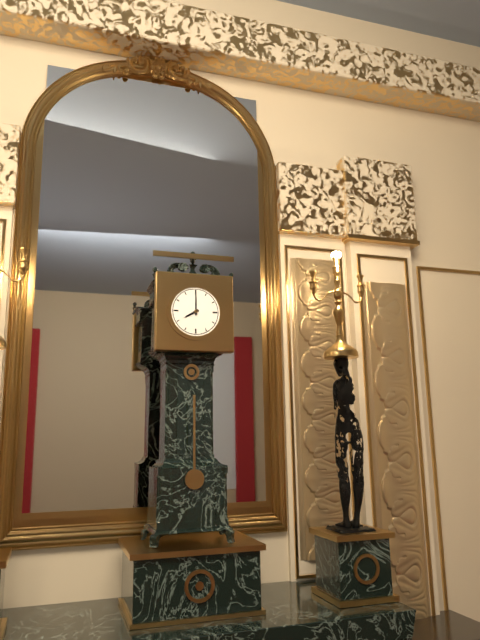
{"hour": 8, "minute": 0}
